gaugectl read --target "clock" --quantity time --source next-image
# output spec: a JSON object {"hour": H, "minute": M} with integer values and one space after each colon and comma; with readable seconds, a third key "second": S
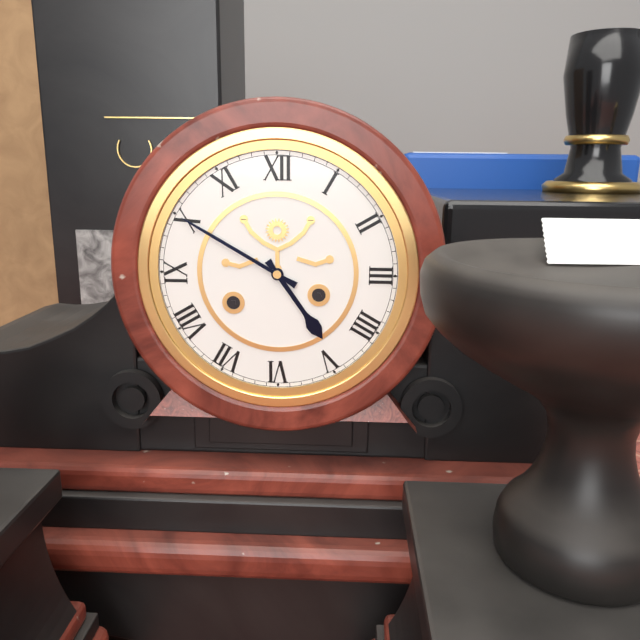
{"hour": 4, "minute": 50}
